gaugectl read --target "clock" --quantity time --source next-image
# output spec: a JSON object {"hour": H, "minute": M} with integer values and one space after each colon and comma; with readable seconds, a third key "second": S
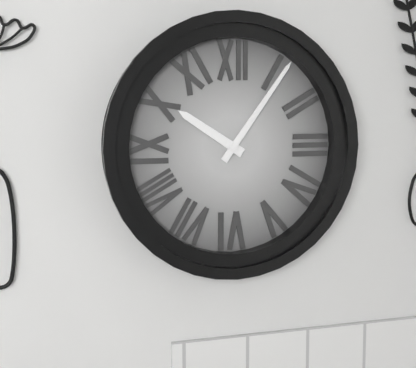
{"hour": 10, "minute": 6}
